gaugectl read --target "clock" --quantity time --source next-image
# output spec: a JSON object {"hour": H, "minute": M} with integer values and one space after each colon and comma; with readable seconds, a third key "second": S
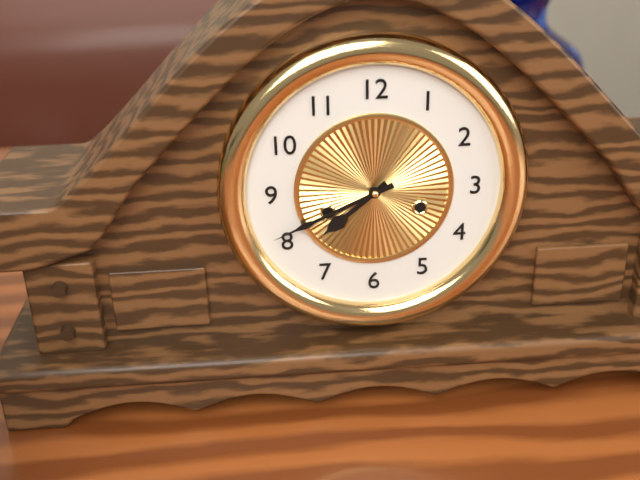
{"hour": 7, "minute": 41}
